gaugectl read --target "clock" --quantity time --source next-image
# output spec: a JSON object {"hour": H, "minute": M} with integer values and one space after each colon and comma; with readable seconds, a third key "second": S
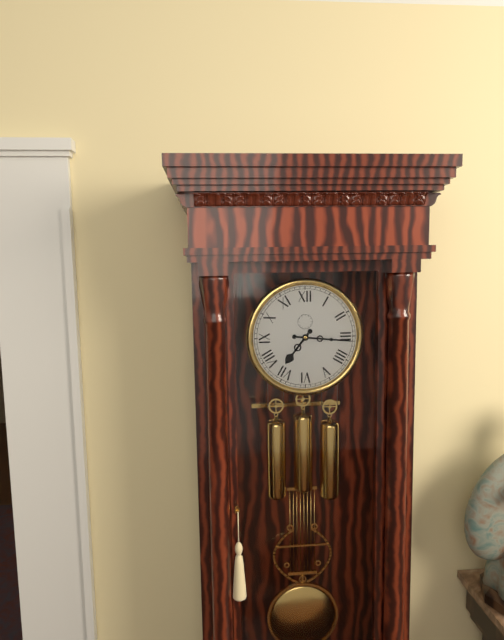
{"hour": 7, "minute": 16}
